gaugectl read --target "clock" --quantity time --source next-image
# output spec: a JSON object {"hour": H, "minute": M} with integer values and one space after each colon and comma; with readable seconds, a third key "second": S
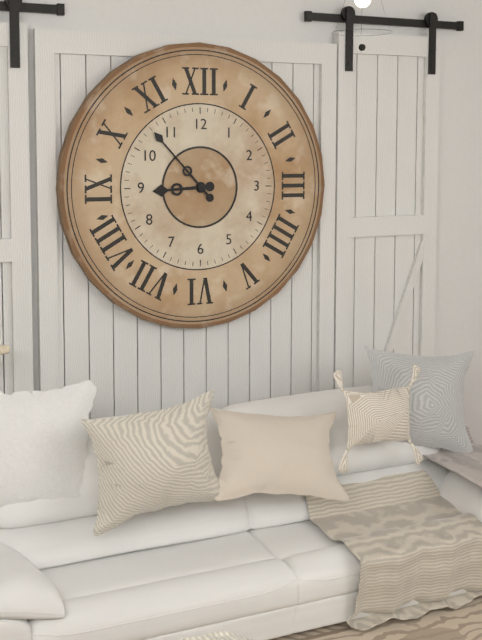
{"hour": 8, "minute": 53}
